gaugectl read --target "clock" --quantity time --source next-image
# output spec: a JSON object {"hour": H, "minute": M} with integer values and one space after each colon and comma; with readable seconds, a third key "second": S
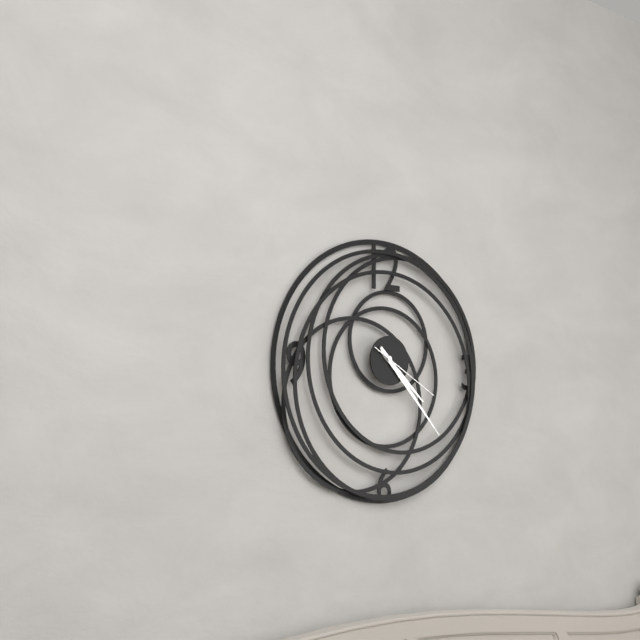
{"hour": 4, "minute": 23, "second": 20}
